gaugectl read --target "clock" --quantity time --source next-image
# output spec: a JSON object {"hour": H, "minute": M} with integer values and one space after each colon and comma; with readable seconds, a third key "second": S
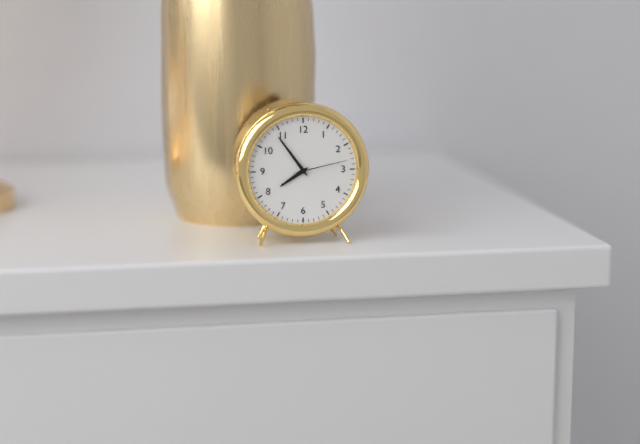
{"hour": 7, "minute": 54, "second": 13}
